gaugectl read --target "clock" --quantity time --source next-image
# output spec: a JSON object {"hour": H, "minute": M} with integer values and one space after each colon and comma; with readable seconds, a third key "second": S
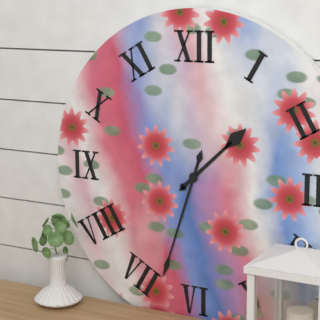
{"hour": 1, "minute": 33}
